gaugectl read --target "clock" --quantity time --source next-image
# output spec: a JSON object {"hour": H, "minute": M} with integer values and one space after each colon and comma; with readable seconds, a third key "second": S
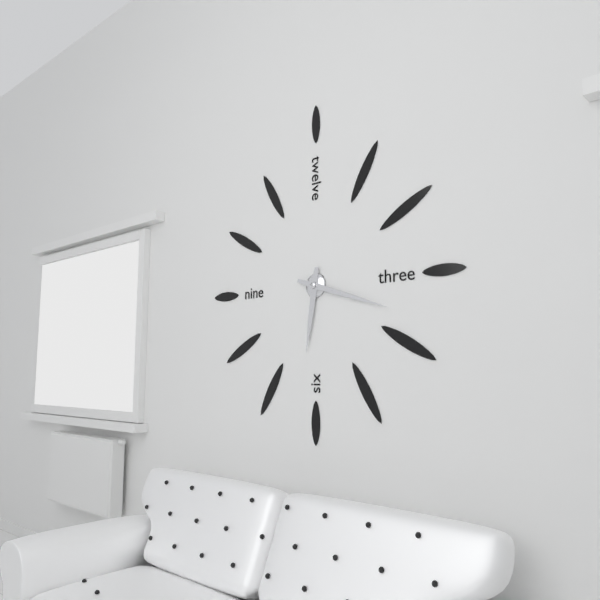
{"hour": 6, "minute": 18}
